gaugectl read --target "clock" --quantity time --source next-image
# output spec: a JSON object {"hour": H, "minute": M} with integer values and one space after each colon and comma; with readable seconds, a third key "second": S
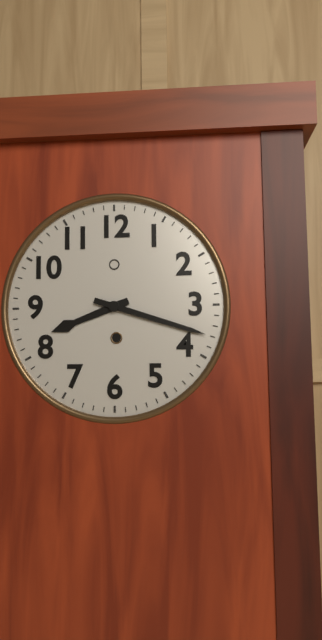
{"hour": 8, "minute": 18}
